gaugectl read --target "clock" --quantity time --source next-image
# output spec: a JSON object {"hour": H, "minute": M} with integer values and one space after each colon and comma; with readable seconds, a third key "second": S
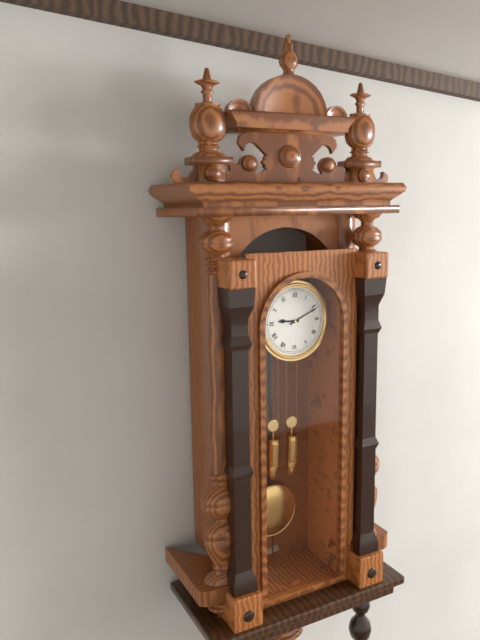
{"hour": 9, "minute": 11}
